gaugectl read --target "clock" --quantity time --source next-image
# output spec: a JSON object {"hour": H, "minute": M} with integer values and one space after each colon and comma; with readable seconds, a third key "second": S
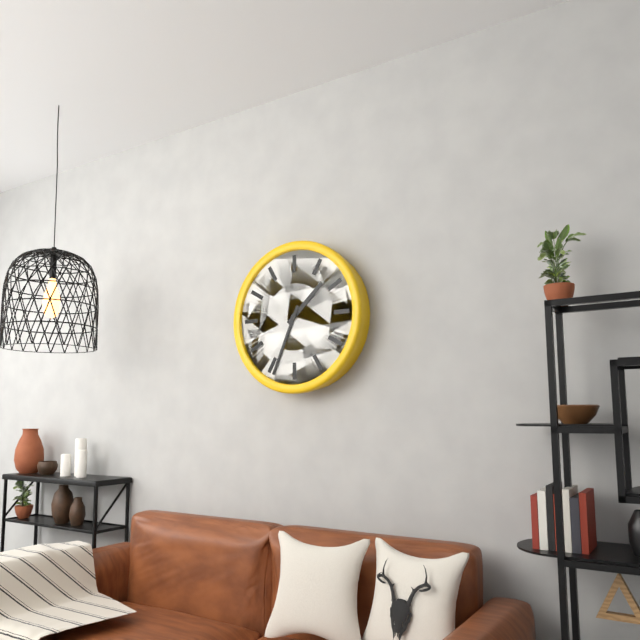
{"hour": 1, "minute": 34}
